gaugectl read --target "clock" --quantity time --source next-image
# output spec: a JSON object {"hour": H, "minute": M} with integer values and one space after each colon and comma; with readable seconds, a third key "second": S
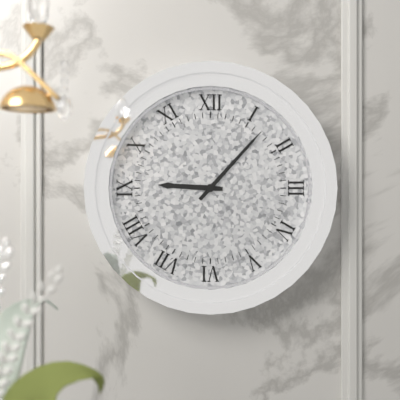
{"hour": 9, "minute": 7}
